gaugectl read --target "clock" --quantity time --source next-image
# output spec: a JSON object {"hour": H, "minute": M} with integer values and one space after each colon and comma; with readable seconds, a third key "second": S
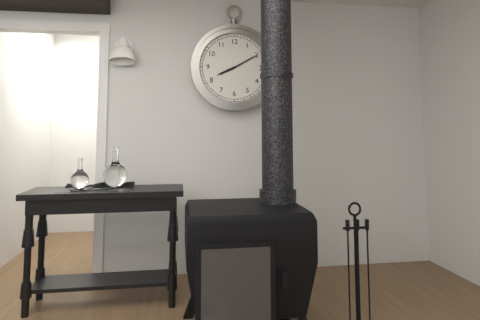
{"hour": 8, "minute": 10}
